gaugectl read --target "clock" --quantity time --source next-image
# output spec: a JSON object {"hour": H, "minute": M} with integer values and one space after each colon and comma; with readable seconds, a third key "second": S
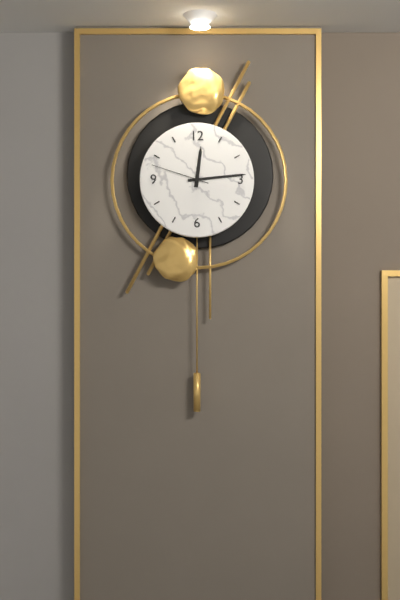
{"hour": 12, "minute": 14, "second": 48}
